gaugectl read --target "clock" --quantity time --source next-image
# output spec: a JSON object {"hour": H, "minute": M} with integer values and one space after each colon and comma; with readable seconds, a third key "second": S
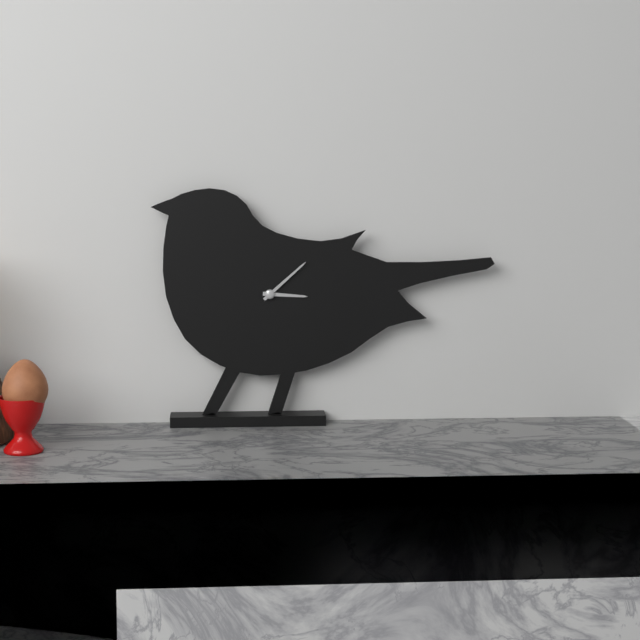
{"hour": 3, "minute": 8}
